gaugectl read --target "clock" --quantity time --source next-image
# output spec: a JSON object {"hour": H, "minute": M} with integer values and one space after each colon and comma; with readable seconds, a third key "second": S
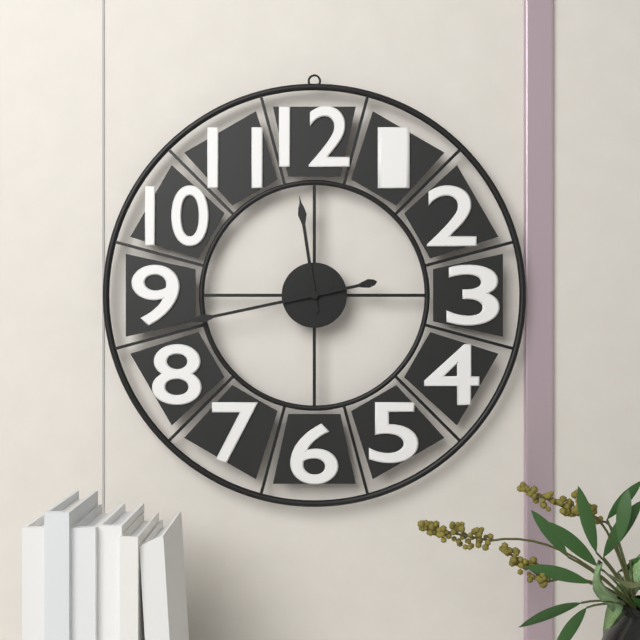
{"hour": 11, "minute": 43}
